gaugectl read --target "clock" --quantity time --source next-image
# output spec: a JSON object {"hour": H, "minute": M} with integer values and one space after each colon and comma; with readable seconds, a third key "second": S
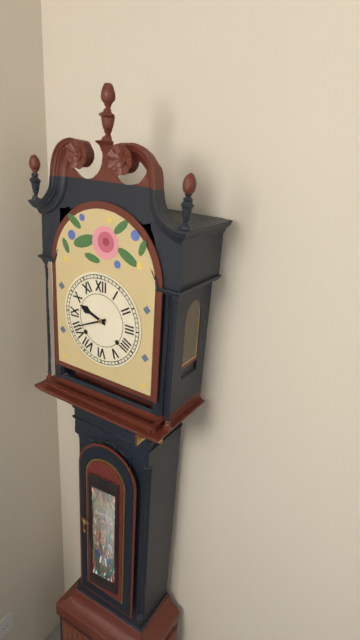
{"hour": 9, "minute": 41}
